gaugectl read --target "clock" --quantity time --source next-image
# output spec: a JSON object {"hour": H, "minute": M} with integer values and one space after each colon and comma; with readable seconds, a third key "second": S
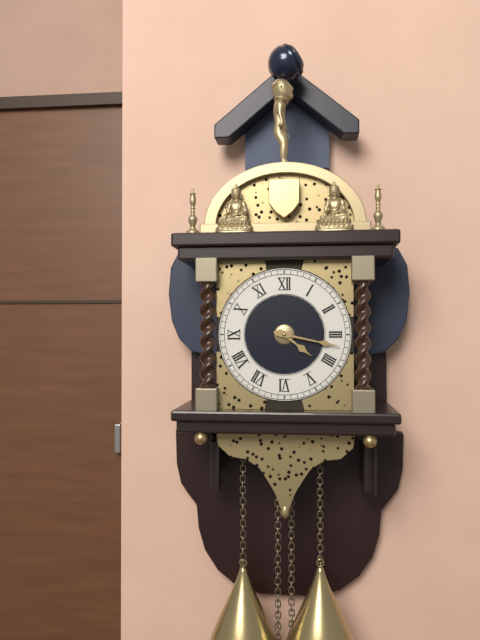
{"hour": 4, "minute": 17}
